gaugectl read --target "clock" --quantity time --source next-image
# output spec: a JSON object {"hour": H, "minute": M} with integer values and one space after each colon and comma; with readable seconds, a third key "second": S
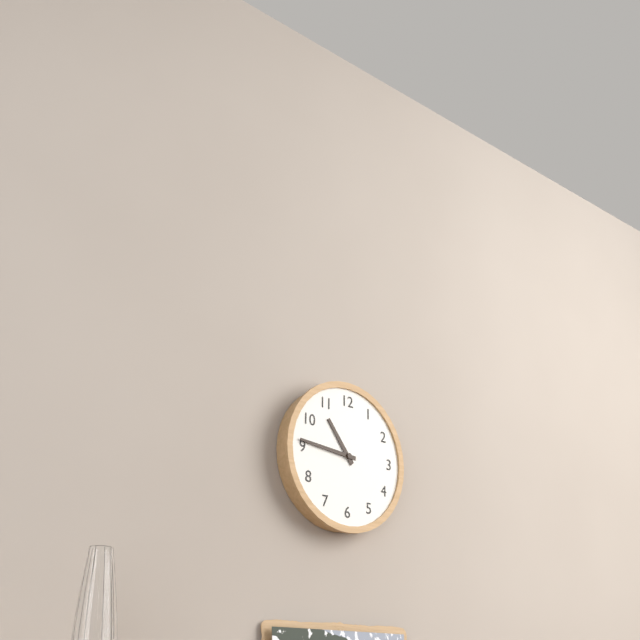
{"hour": 10, "minute": 46}
